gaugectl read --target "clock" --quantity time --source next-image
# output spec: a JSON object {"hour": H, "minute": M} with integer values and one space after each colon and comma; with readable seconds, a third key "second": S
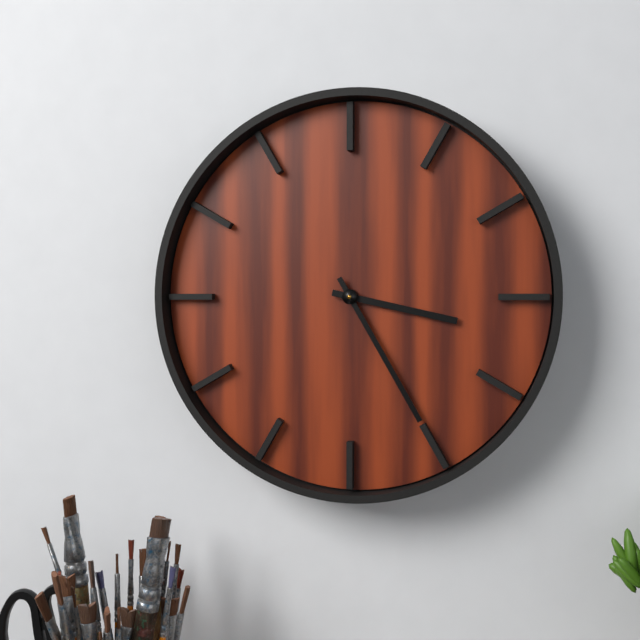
{"hour": 3, "minute": 25}
